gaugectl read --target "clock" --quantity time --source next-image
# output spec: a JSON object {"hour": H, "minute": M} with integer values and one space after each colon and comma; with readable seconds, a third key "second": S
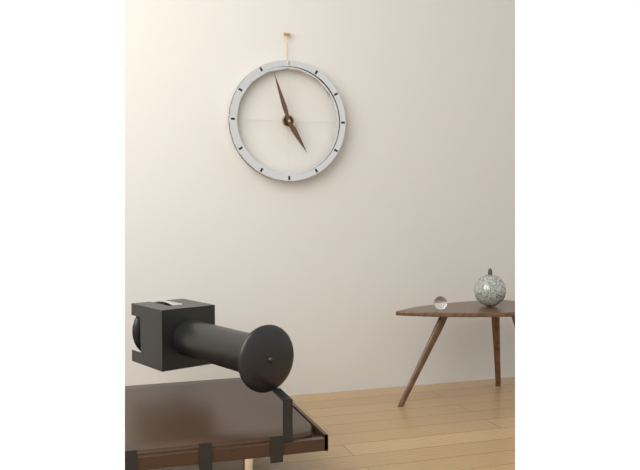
{"hour": 4, "minute": 57}
